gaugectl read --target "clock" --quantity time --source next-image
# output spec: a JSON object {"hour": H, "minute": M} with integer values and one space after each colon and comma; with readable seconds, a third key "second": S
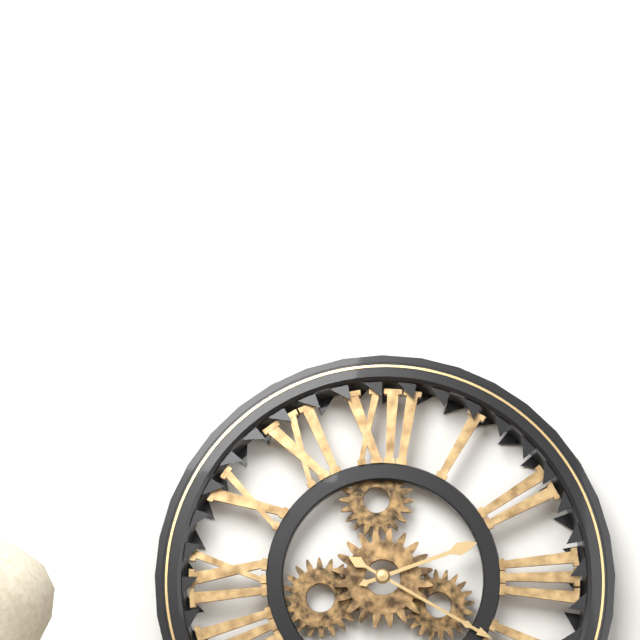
{"hour": 2, "minute": 20}
